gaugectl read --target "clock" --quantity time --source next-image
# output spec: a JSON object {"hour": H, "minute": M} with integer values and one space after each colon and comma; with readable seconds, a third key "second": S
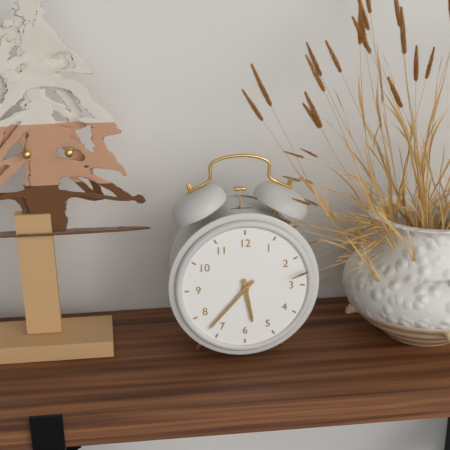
{"hour": 5, "minute": 37}
